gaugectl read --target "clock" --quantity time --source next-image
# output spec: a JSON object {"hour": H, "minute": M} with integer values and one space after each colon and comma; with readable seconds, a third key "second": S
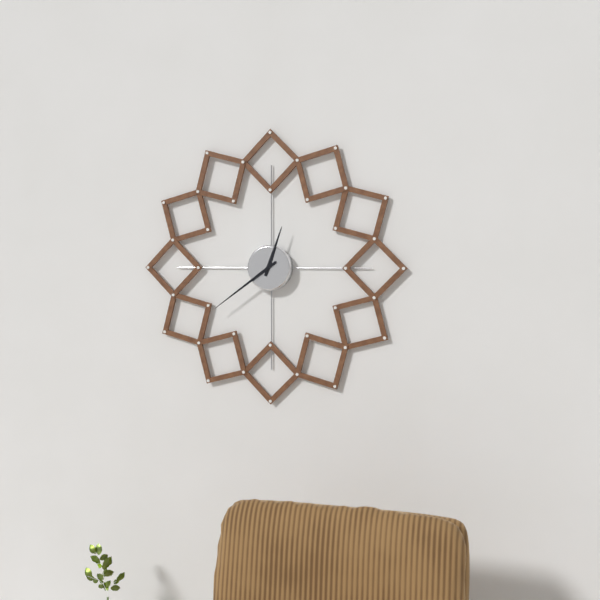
{"hour": 12, "minute": 39}
